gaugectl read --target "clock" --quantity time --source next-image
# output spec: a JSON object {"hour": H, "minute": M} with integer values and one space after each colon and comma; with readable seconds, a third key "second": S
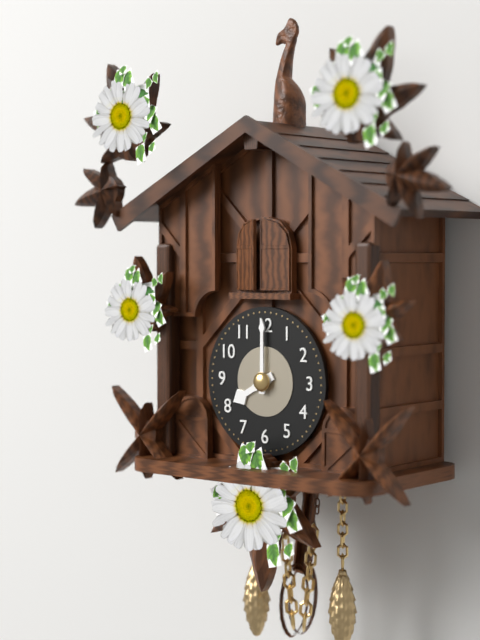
{"hour": 8, "minute": 0}
